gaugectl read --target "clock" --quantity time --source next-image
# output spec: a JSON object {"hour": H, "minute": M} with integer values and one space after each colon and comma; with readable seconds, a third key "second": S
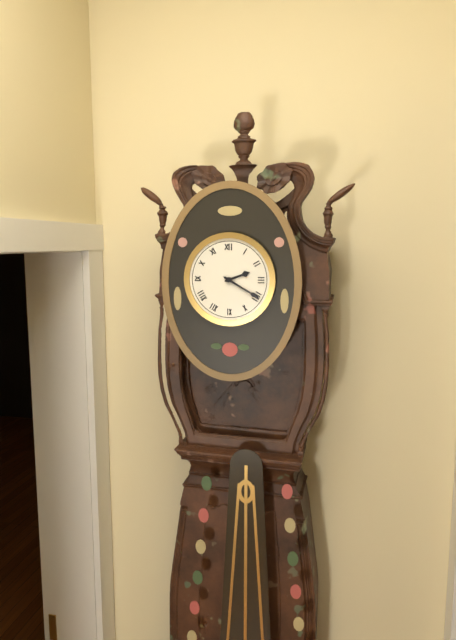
{"hour": 2, "minute": 20}
